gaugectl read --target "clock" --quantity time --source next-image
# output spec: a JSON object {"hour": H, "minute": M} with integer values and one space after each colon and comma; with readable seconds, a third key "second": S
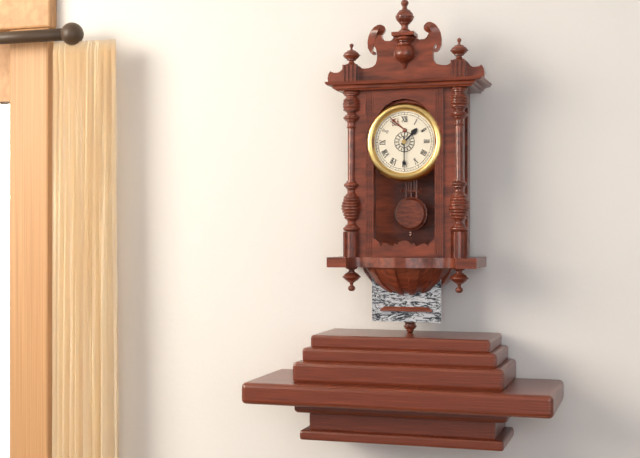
{"hour": 1, "minute": 30}
